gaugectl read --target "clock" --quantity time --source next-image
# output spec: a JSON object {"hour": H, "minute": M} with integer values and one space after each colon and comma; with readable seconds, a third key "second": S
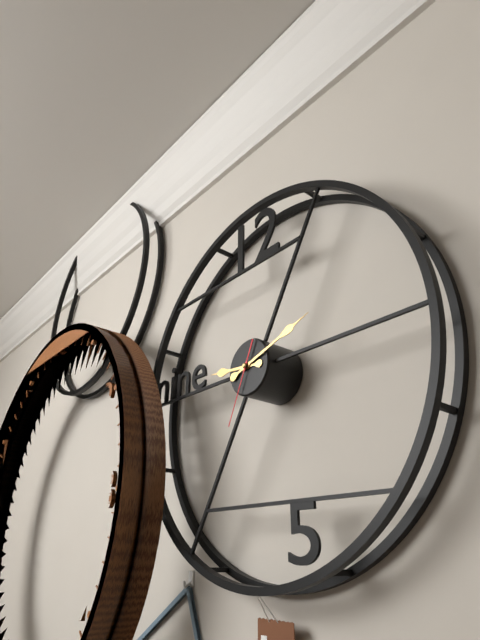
{"hour": 9, "minute": 12, "second": 34}
